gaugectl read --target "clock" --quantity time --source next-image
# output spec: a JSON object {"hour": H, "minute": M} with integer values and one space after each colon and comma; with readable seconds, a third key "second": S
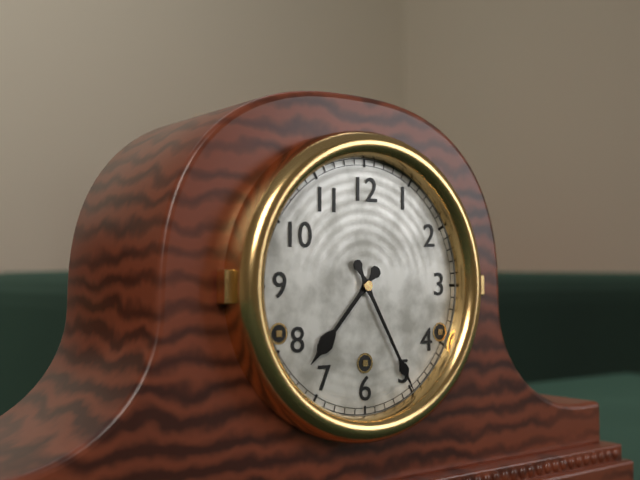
{"hour": 7, "minute": 25}
